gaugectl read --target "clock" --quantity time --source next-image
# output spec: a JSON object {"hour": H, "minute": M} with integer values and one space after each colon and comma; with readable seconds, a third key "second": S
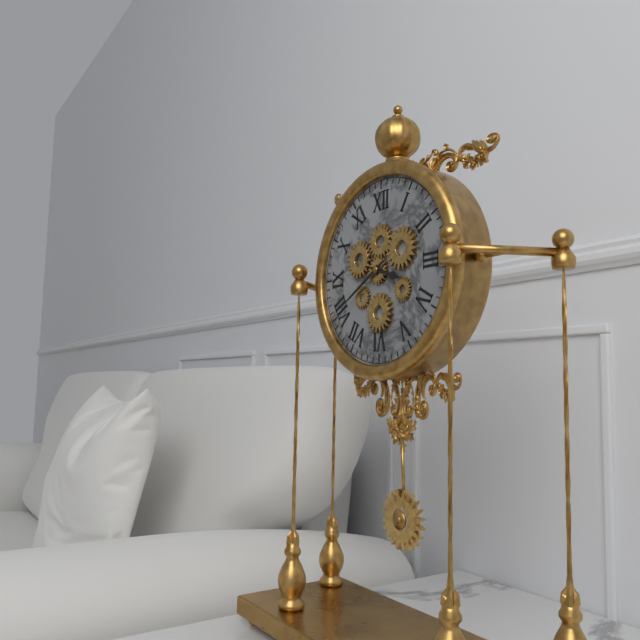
{"hour": 3, "minute": 40}
